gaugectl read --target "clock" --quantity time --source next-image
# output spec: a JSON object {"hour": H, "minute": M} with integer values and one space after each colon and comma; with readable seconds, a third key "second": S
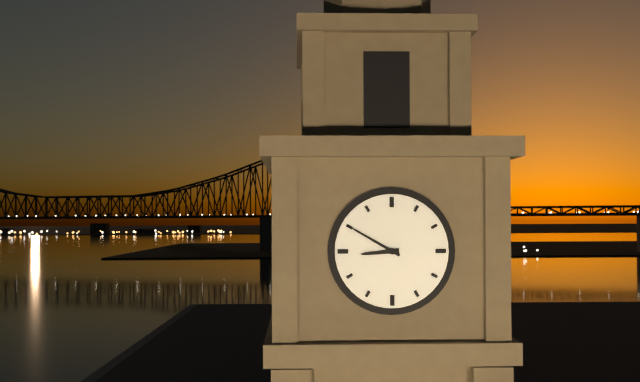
{"hour": 8, "minute": 50}
